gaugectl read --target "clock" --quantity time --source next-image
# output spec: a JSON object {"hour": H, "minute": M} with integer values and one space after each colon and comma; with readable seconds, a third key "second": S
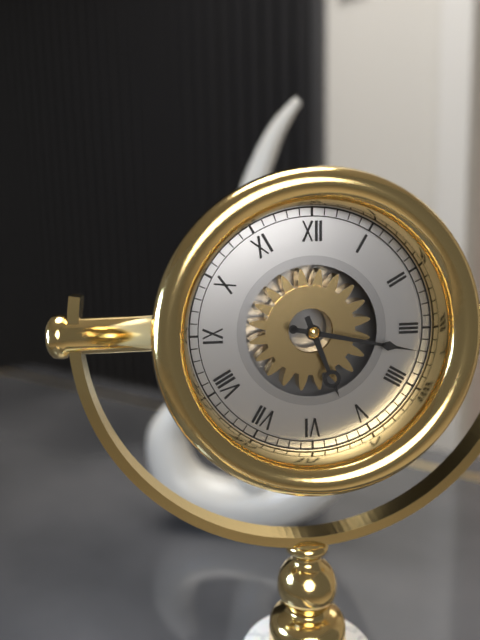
{"hour": 5, "minute": 17}
